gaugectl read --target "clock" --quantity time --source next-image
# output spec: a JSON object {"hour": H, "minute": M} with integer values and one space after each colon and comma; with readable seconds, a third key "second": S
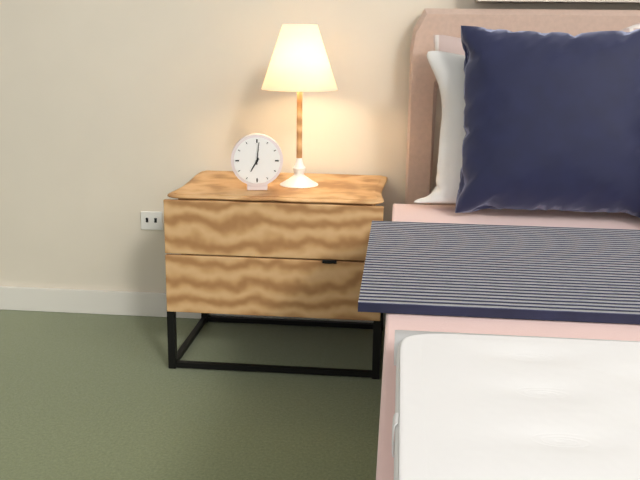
{"hour": 7, "minute": 1}
